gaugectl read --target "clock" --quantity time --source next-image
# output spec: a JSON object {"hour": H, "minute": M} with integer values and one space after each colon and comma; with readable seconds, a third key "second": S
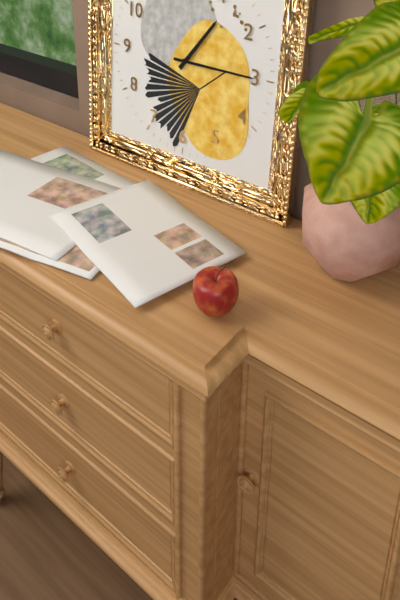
{"hour": 1, "minute": 15}
